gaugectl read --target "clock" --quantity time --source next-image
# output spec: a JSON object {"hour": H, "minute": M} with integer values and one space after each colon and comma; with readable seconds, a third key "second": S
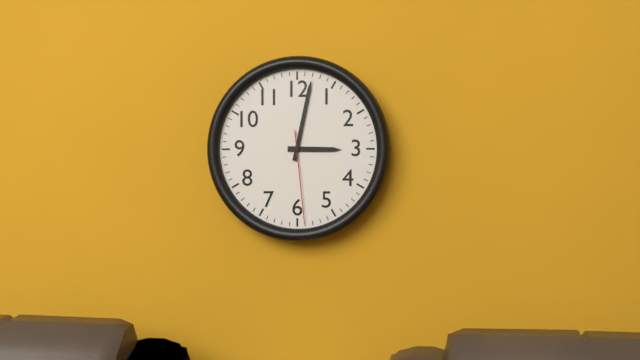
{"hour": 3, "minute": 2, "second": 29}
